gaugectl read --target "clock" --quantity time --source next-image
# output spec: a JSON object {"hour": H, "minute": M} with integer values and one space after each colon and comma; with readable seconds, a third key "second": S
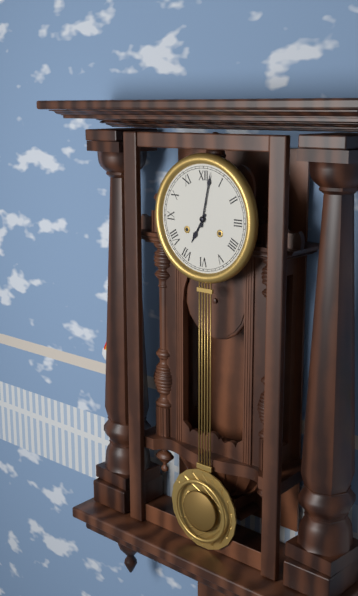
{"hour": 7, "minute": 2}
